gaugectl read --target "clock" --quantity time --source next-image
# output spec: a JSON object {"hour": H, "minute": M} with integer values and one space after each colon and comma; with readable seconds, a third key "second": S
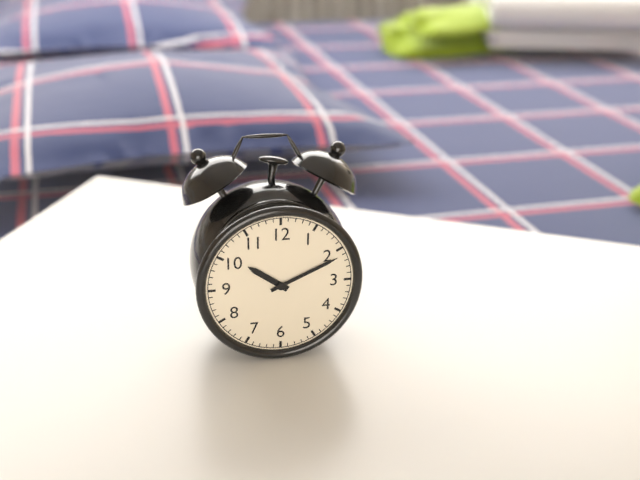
{"hour": 10, "minute": 11}
